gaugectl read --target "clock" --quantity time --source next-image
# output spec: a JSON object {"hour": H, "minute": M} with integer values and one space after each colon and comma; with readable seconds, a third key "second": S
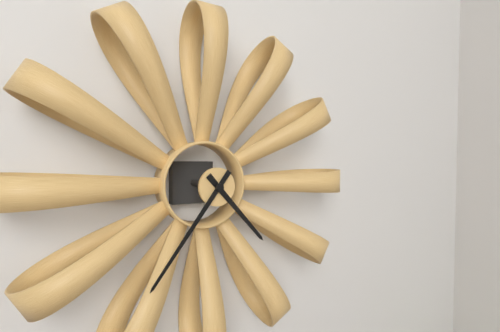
{"hour": 4, "minute": 36}
